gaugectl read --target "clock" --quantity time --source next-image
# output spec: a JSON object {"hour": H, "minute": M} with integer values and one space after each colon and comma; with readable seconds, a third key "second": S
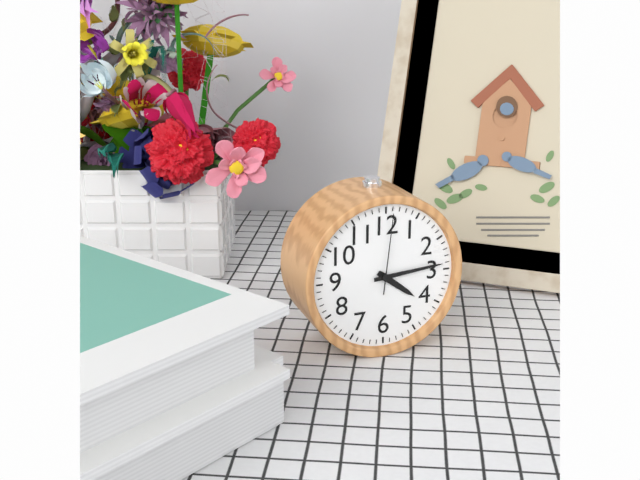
{"hour": 4, "minute": 14, "second": 1}
